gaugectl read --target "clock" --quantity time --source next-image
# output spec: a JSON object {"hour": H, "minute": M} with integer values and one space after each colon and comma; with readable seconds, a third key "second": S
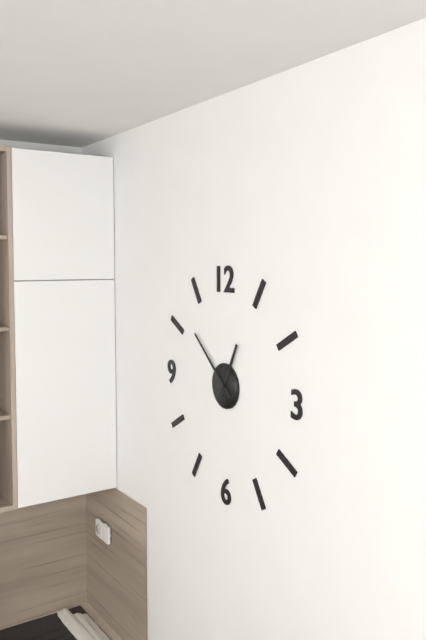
{"hour": 12, "minute": 52}
